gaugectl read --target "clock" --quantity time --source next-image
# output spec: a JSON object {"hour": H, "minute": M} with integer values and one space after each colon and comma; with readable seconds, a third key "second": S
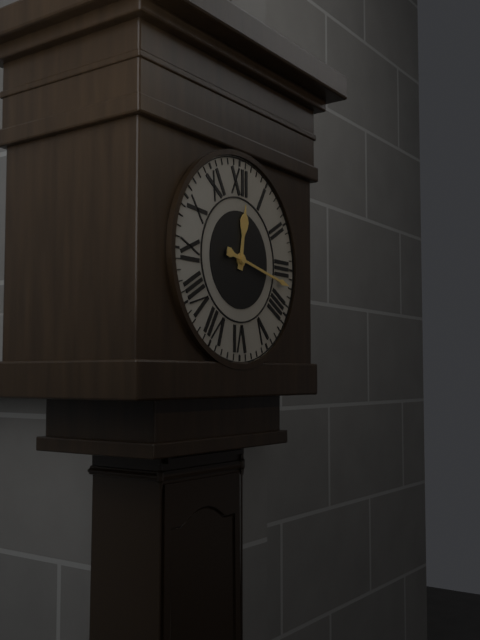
{"hour": 12, "minute": 17}
